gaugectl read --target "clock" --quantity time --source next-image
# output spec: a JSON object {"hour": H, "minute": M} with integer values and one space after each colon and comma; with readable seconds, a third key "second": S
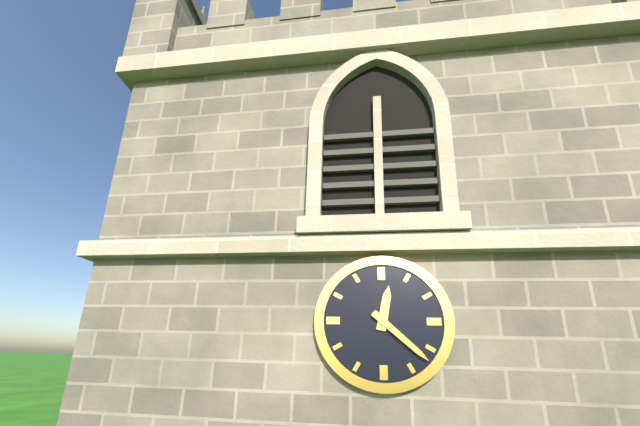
{"hour": 12, "minute": 22}
